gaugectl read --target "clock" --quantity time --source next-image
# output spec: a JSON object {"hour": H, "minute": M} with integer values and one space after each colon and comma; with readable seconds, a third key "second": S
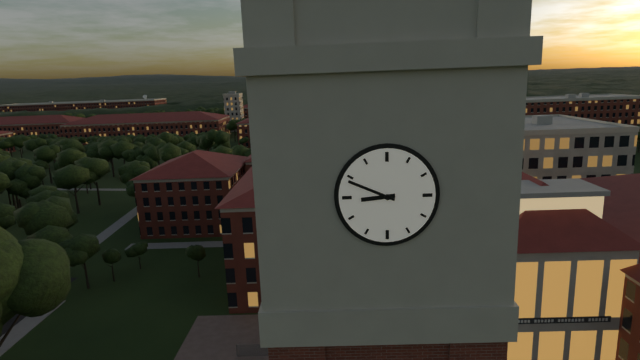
{"hour": 8, "minute": 49}
